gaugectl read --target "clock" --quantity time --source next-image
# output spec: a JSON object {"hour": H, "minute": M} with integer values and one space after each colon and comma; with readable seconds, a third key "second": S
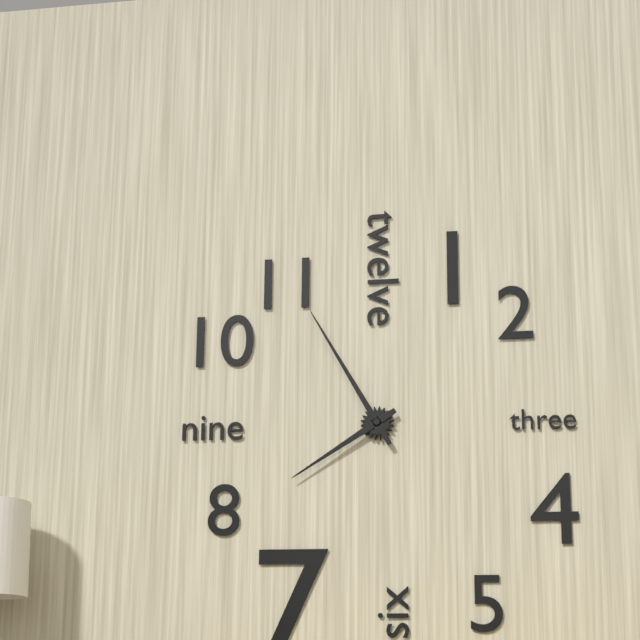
{"hour": 7, "minute": 55}
